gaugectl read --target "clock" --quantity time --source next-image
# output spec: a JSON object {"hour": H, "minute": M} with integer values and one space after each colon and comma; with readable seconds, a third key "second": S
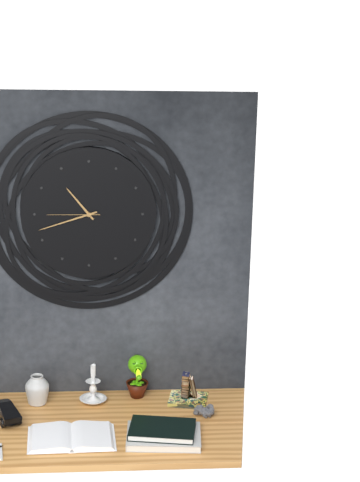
{"hour": 10, "minute": 42, "second": 45}
